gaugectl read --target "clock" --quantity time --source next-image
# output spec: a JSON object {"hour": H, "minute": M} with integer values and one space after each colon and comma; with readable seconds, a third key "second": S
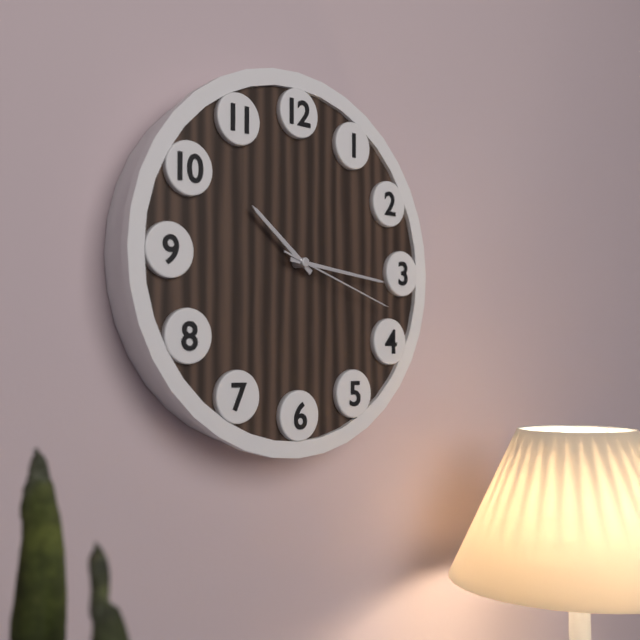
{"hour": 10, "minute": 16, "second": 18}
